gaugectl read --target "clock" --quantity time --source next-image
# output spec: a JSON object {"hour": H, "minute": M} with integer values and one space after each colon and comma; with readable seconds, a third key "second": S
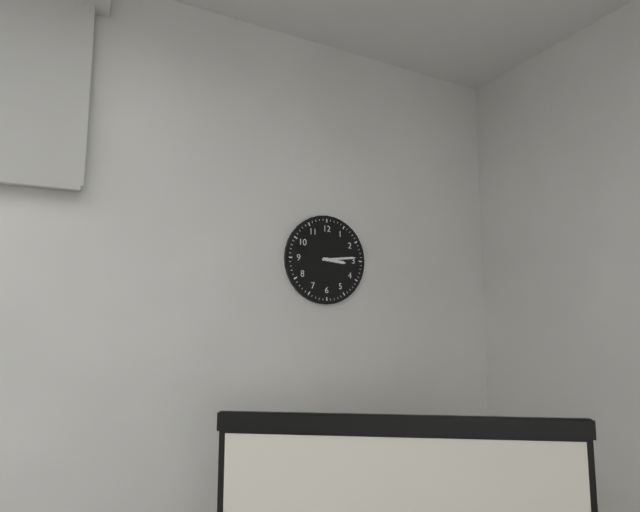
{"hour": 3, "minute": 14}
